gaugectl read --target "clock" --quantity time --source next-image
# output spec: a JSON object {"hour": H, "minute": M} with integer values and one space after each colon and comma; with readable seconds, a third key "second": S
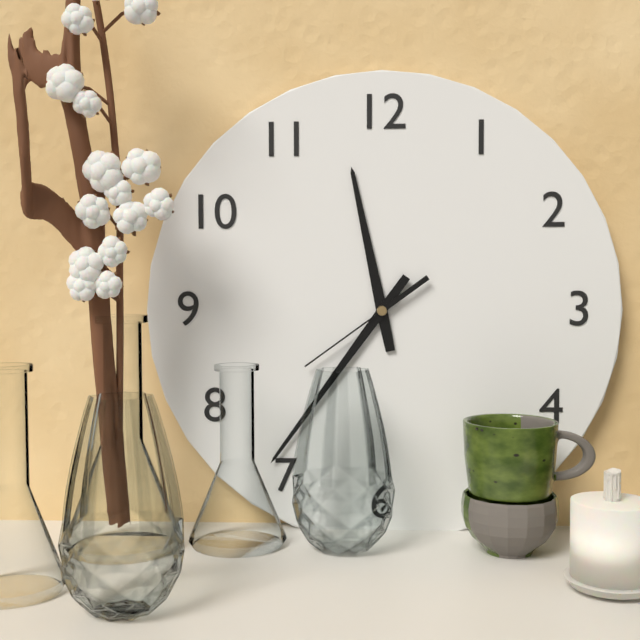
{"hour": 11, "minute": 36, "second": 39}
